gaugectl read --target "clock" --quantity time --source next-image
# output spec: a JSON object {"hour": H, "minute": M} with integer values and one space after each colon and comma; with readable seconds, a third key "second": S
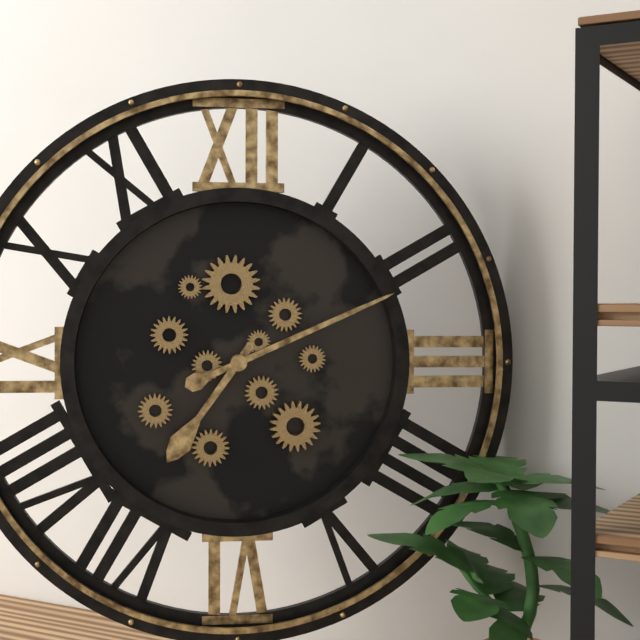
{"hour": 7, "minute": 11}
